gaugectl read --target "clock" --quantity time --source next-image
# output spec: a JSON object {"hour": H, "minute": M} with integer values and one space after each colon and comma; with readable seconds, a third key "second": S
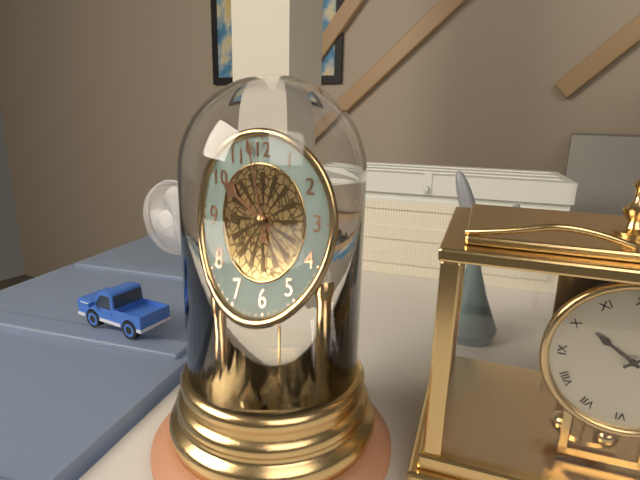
{"hour": 9, "minute": 58}
